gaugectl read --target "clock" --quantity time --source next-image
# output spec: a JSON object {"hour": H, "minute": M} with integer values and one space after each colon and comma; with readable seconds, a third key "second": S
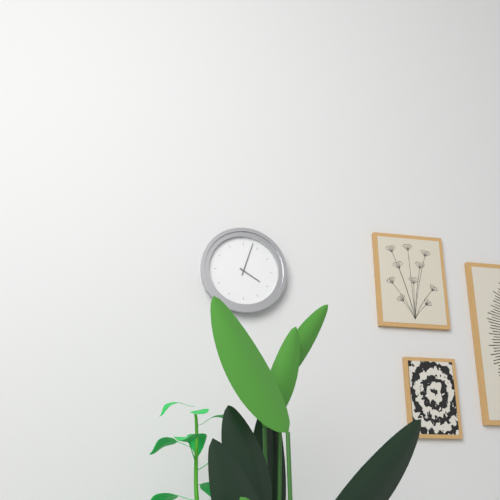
{"hour": 4, "minute": 3}
